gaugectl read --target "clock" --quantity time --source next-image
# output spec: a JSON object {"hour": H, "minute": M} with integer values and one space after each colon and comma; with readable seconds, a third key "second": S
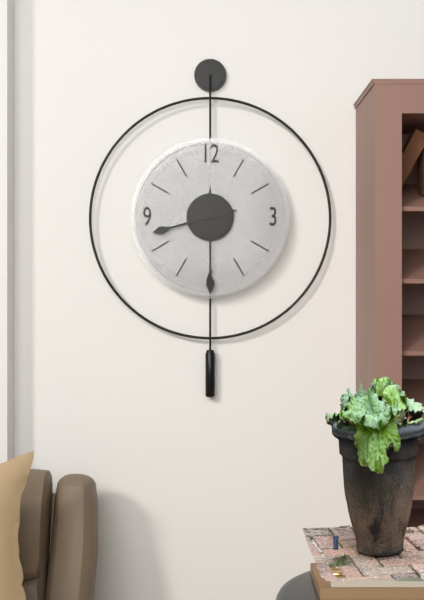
{"hour": 8, "minute": 30}
